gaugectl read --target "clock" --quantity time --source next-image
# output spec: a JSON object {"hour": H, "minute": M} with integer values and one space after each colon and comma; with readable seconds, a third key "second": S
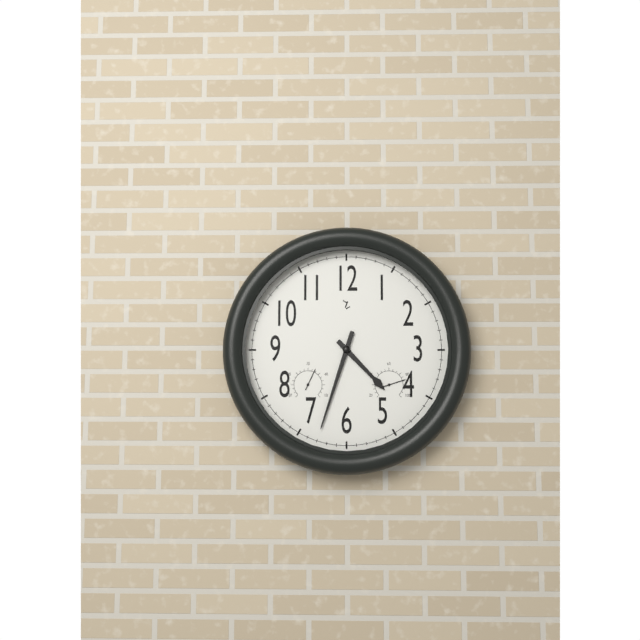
{"hour": 4, "minute": 33}
